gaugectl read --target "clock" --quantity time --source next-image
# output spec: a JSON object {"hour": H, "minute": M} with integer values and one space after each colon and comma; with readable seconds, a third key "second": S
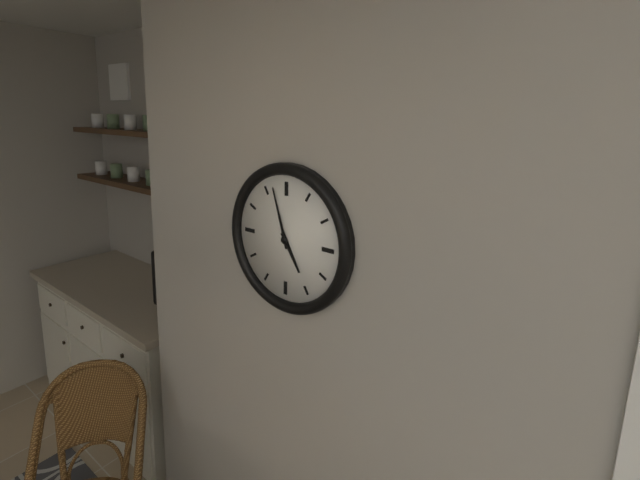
{"hour": 4, "minute": 57}
